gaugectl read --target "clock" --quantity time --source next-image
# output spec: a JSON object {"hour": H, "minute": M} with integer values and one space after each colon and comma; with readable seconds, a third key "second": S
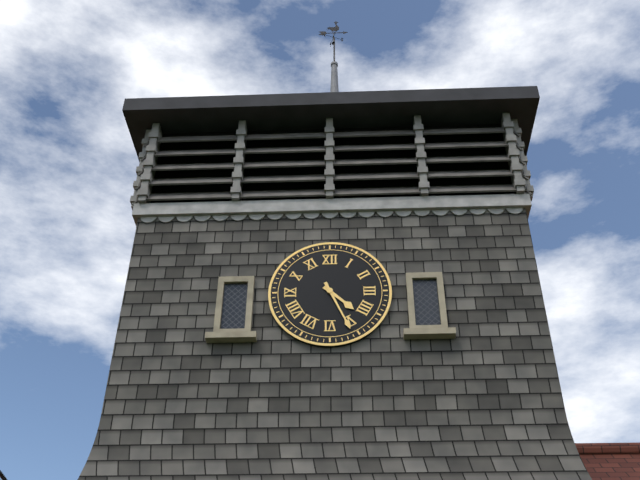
{"hour": 4, "minute": 26}
